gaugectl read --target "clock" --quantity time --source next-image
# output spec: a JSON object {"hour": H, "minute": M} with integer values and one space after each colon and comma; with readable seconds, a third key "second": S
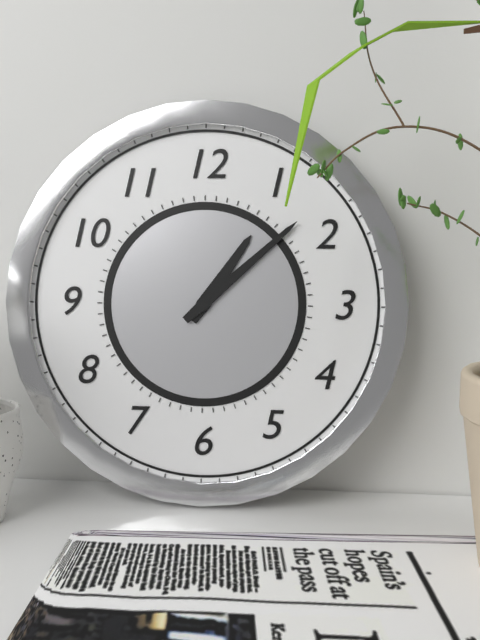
{"hour": 1, "minute": 8}
